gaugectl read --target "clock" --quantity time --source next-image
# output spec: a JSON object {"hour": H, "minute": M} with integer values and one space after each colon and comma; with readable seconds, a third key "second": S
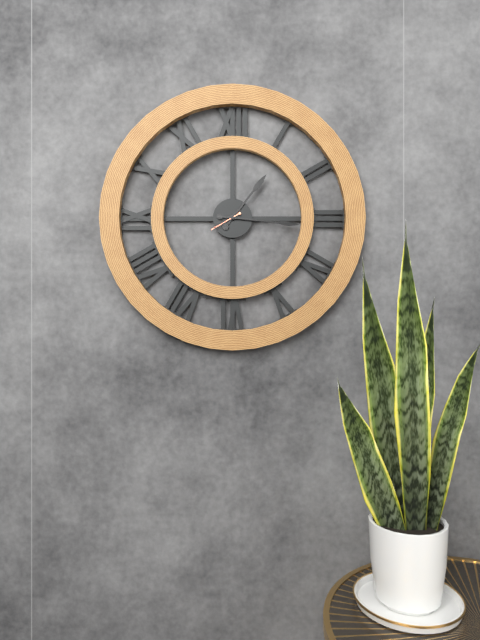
{"hour": 1, "minute": 16}
